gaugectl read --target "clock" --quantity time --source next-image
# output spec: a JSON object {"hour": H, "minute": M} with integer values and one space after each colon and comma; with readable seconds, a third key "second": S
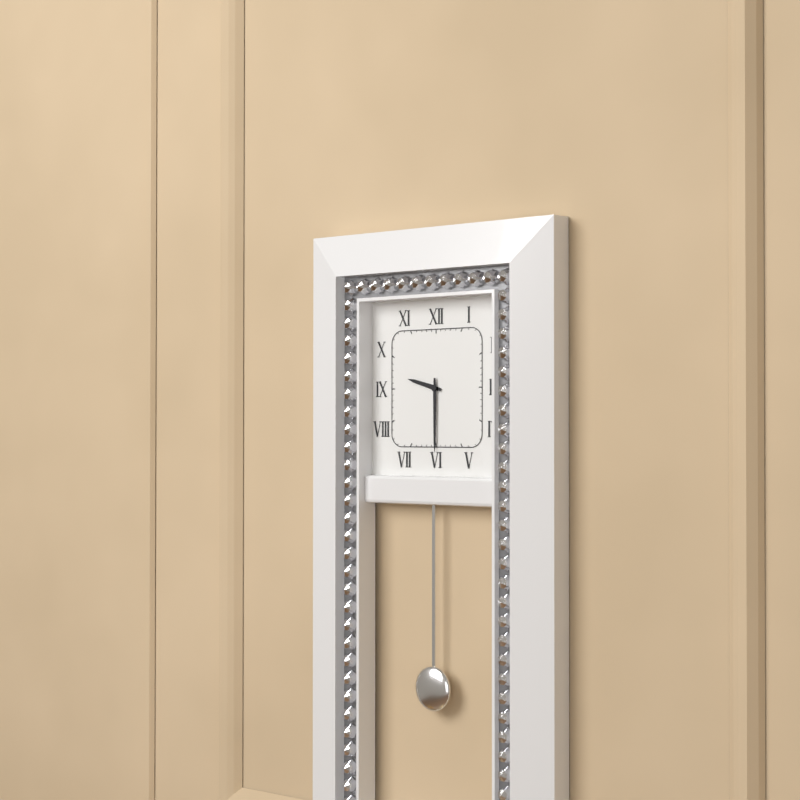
{"hour": 9, "minute": 30}
